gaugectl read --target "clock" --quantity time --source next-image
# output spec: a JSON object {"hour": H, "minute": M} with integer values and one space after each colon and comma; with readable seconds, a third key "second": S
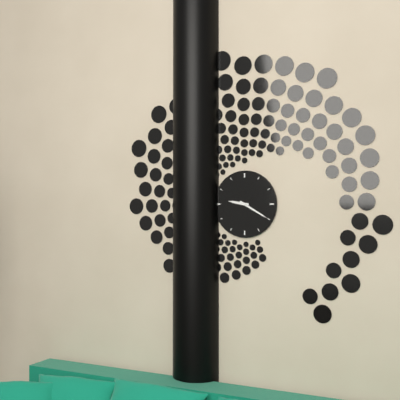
{"hour": 9, "minute": 20}
